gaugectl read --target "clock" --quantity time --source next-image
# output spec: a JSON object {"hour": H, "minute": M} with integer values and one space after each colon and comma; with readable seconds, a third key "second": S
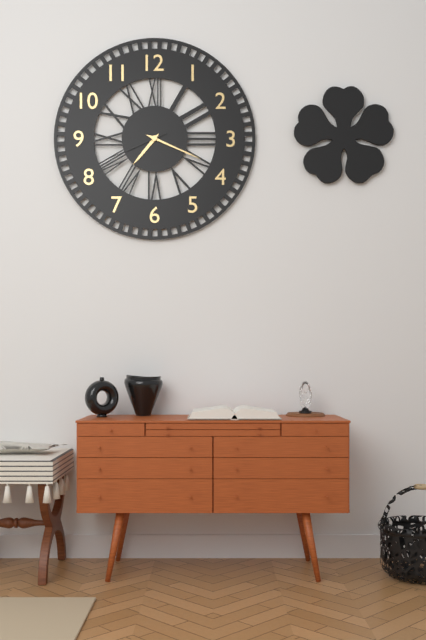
{"hour": 7, "minute": 19, "second": 41}
